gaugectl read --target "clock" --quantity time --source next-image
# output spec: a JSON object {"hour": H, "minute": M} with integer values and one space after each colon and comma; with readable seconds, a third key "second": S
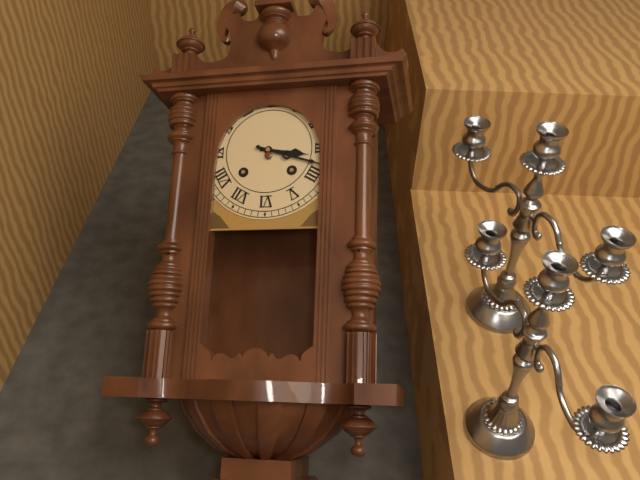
{"hour": 3, "minute": 18}
